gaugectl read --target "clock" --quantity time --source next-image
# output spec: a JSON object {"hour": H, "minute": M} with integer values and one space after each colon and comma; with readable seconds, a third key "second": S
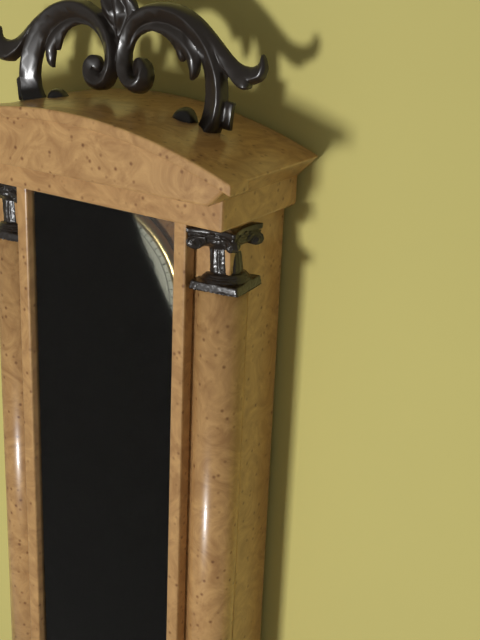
{"hour": 11, "minute": 2}
